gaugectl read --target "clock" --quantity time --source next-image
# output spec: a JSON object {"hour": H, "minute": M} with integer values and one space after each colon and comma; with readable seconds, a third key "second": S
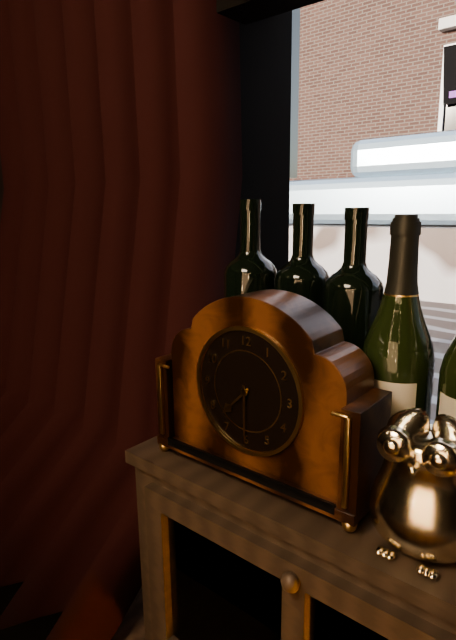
{"hour": 7, "minute": 30}
